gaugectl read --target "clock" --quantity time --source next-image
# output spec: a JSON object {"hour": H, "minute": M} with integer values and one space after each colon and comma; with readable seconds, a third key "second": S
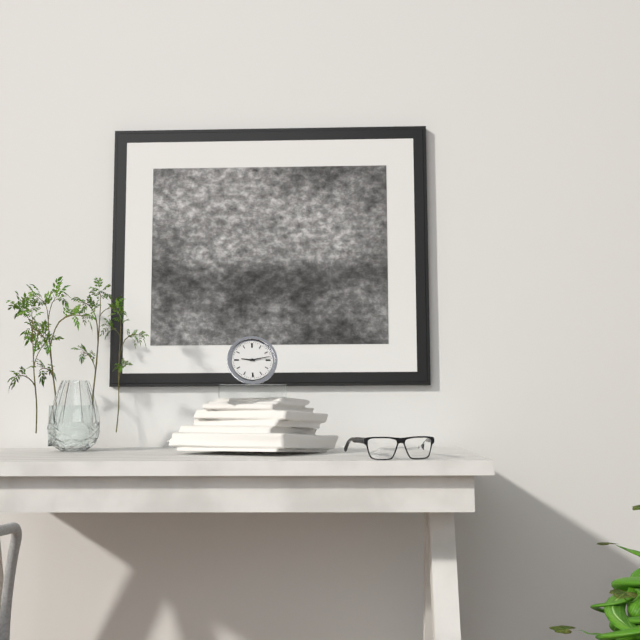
{"hour": 9, "minute": 13}
